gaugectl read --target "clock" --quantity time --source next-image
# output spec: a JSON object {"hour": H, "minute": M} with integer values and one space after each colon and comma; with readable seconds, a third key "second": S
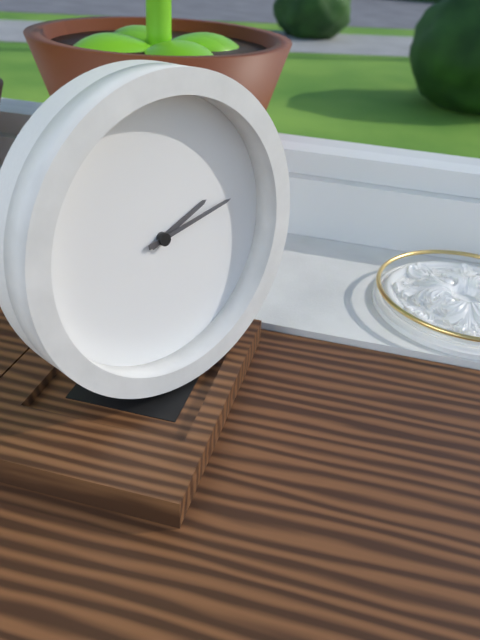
{"hour": 2, "minute": 13}
